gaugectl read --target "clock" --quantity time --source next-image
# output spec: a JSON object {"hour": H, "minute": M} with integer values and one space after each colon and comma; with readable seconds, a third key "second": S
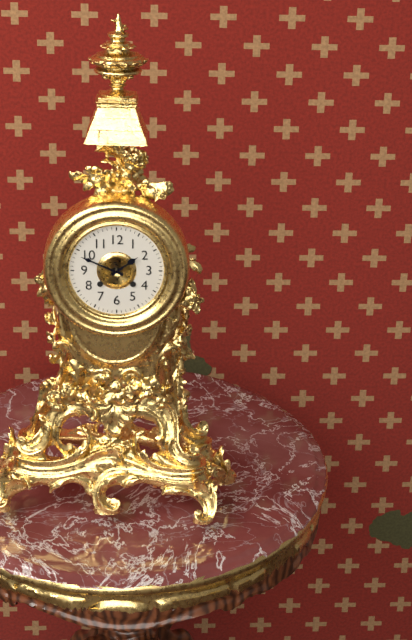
{"hour": 1, "minute": 49}
